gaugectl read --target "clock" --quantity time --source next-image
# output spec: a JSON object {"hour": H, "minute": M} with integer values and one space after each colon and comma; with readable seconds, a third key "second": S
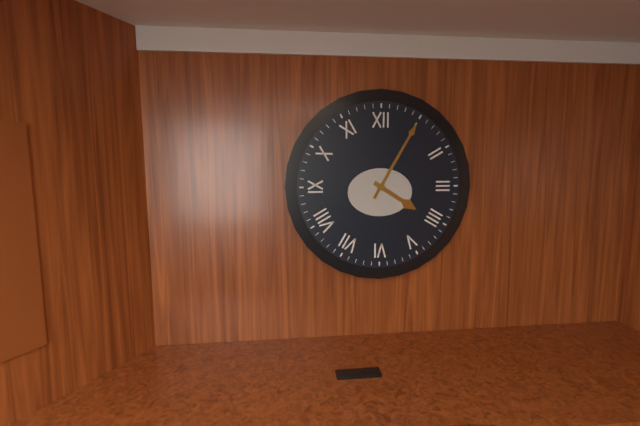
{"hour": 4, "minute": 5}
